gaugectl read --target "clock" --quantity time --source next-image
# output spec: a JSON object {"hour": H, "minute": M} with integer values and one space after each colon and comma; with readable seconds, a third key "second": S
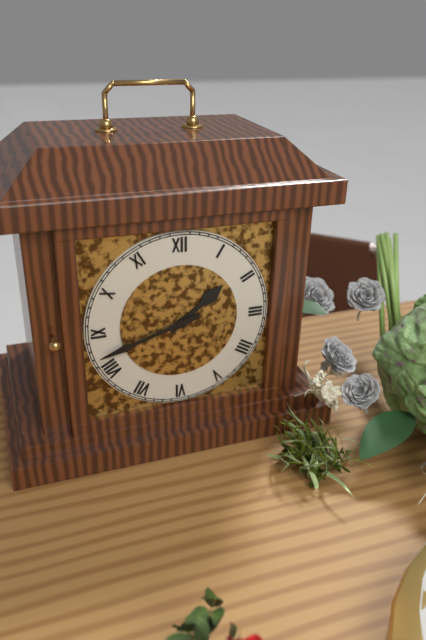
{"hour": 1, "minute": 42}
